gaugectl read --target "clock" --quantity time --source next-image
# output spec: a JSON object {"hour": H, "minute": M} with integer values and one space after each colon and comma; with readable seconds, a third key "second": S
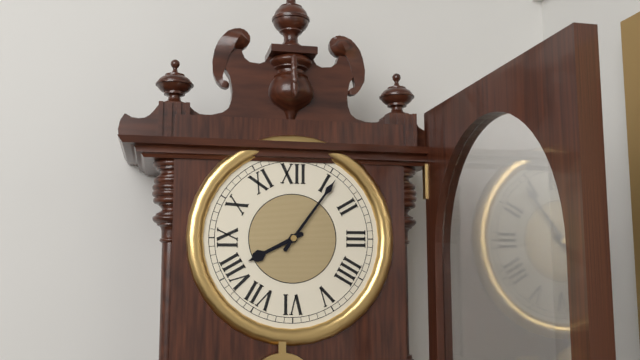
{"hour": 8, "minute": 6}
